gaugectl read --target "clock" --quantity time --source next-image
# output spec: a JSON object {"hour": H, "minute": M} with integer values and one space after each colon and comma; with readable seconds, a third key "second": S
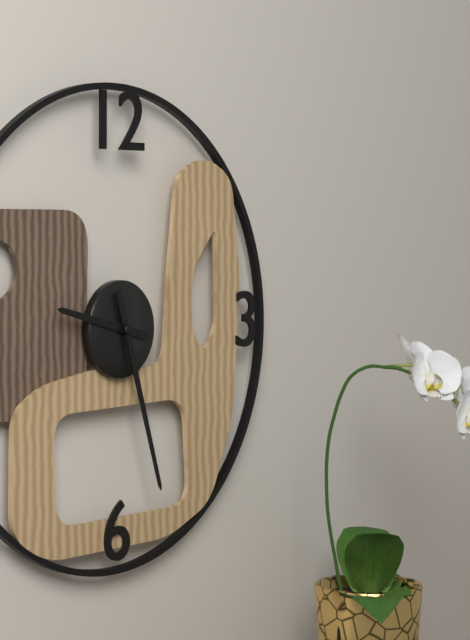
{"hour": 9, "minute": 27}
